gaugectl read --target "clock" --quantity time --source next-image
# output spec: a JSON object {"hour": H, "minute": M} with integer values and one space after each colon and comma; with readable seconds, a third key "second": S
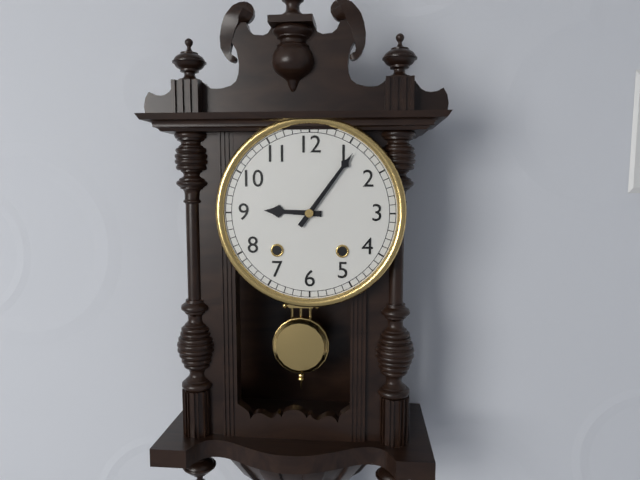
{"hour": 9, "minute": 6}
